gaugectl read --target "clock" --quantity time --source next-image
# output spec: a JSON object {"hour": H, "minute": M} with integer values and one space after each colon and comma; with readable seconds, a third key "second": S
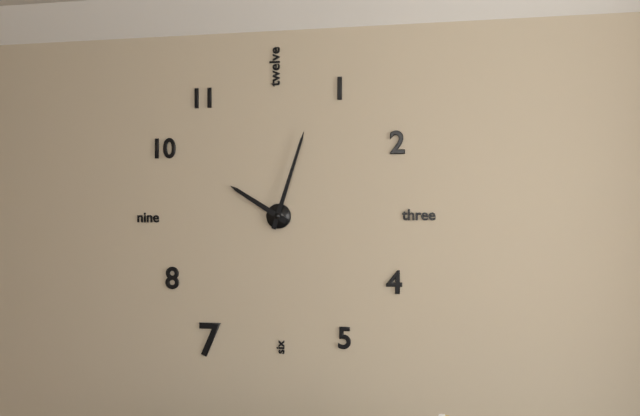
{"hour": 10, "minute": 3}
